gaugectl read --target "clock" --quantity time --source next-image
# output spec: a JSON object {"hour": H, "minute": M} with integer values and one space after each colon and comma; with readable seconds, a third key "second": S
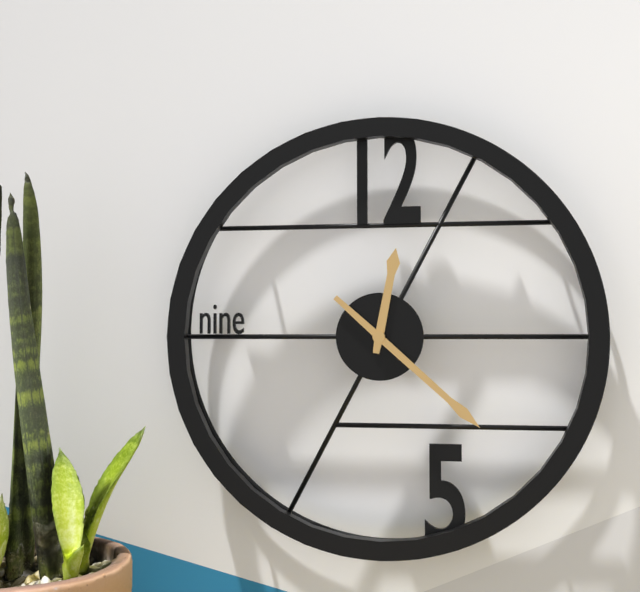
{"hour": 12, "minute": 22}
